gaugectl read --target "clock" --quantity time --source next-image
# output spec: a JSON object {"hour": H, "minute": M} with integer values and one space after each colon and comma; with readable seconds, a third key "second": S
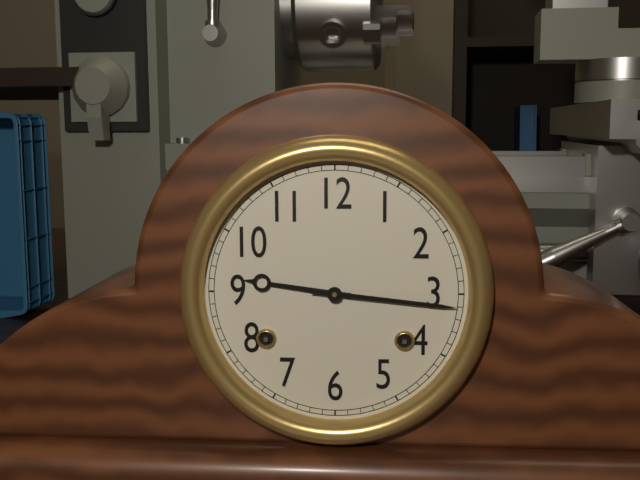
{"hour": 9, "minute": 16}
